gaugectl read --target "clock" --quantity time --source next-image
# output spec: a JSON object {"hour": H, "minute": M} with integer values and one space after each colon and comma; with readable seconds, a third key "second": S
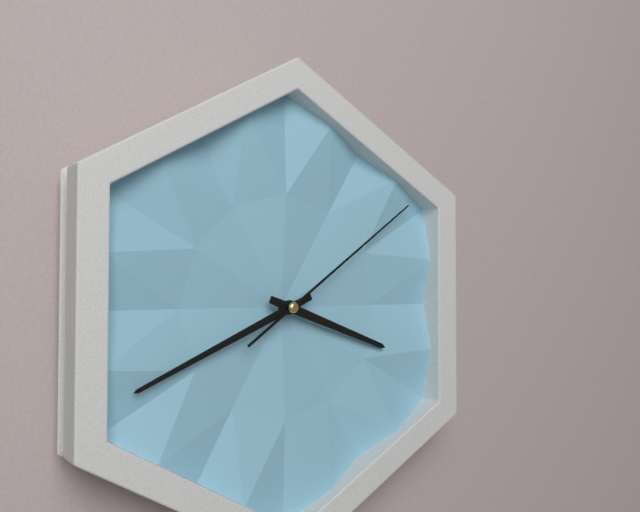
{"hour": 3, "minute": 41, "second": 9}
